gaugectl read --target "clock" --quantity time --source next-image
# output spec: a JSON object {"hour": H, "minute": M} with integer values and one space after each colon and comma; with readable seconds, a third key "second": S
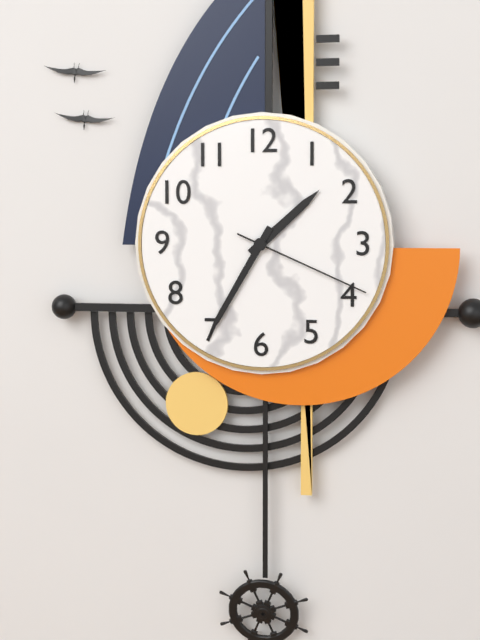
{"hour": 1, "minute": 35, "second": 19}
